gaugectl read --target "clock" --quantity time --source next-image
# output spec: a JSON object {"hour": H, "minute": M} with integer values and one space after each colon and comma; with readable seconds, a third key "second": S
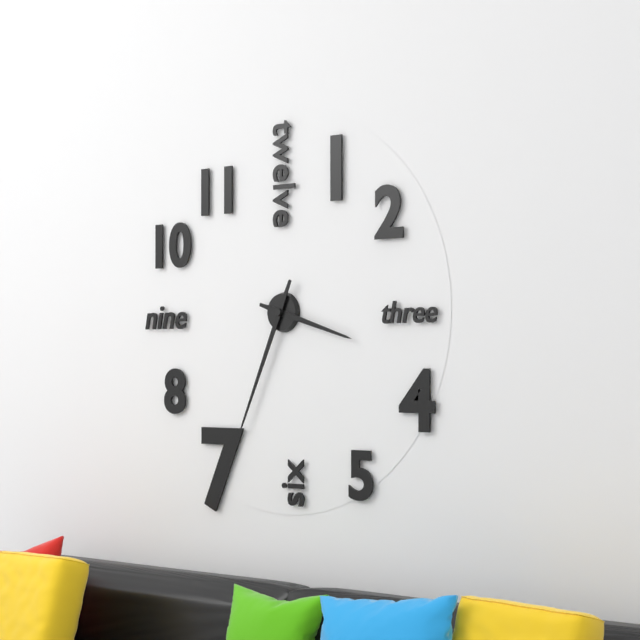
{"hour": 3, "minute": 34}
